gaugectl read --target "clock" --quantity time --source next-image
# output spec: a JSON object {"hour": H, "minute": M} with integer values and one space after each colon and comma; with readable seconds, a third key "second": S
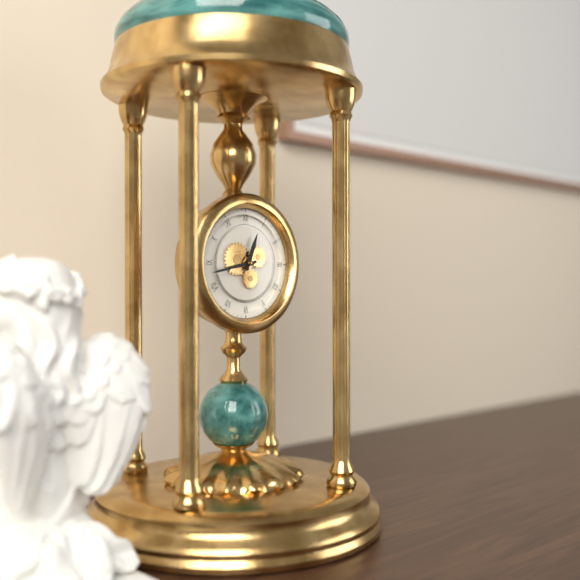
{"hour": 12, "minute": 43}
